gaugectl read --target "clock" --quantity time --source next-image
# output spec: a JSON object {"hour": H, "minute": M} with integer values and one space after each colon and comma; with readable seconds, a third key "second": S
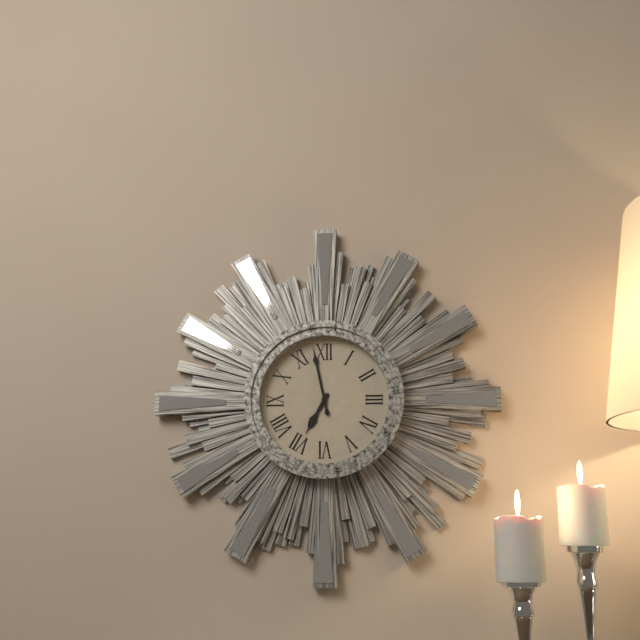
{"hour": 6, "minute": 58}
